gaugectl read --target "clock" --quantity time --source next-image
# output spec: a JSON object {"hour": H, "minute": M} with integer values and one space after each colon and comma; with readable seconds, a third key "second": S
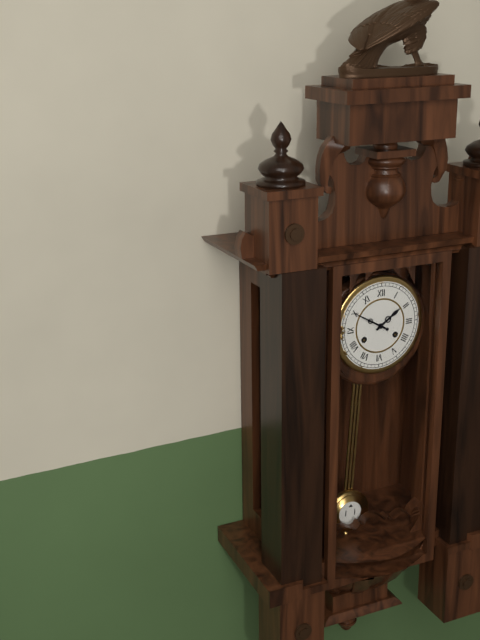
{"hour": 1, "minute": 50}
